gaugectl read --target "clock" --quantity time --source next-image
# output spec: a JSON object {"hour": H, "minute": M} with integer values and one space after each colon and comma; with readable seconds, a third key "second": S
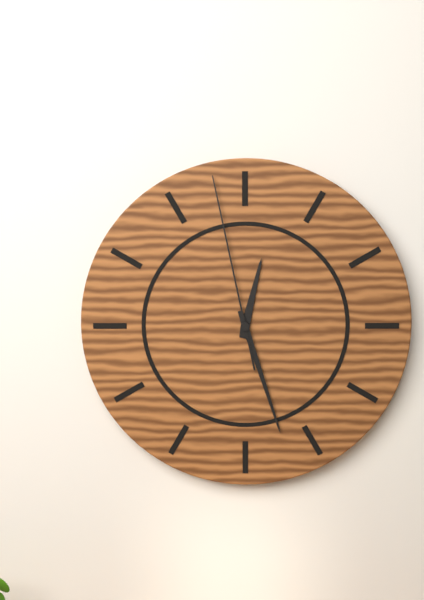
{"hour": 12, "minute": 27, "second": 58}
